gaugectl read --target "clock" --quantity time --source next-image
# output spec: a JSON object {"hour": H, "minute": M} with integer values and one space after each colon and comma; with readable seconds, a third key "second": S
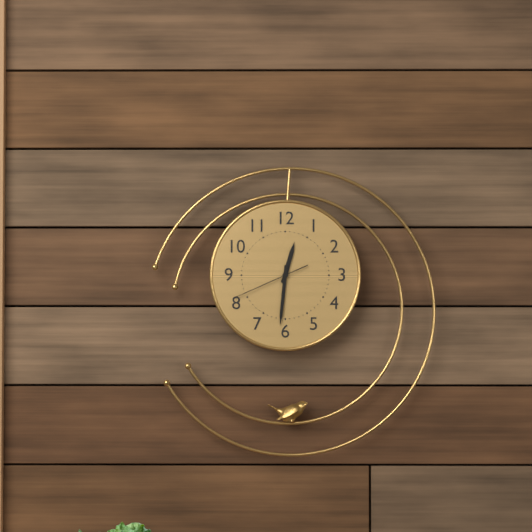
{"hour": 12, "minute": 31, "second": 41}
